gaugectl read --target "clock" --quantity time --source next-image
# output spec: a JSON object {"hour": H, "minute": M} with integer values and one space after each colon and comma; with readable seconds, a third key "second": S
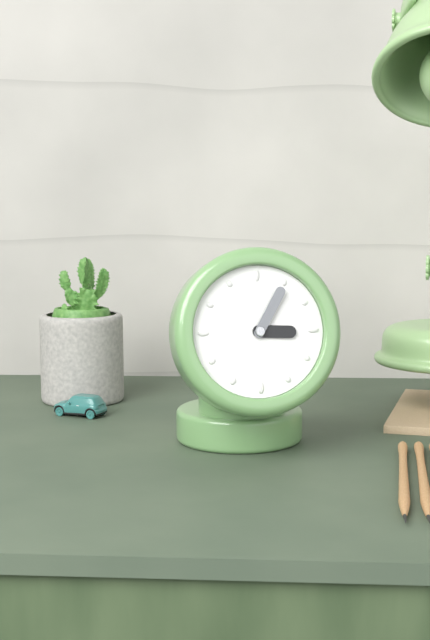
{"hour": 3, "minute": 5}
